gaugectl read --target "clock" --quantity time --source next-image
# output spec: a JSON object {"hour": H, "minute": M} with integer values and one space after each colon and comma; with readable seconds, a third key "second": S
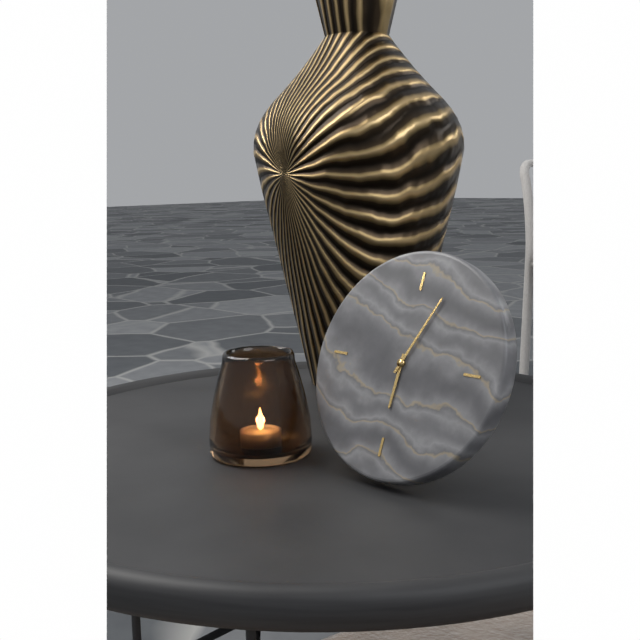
{"hour": 6, "minute": 4}
